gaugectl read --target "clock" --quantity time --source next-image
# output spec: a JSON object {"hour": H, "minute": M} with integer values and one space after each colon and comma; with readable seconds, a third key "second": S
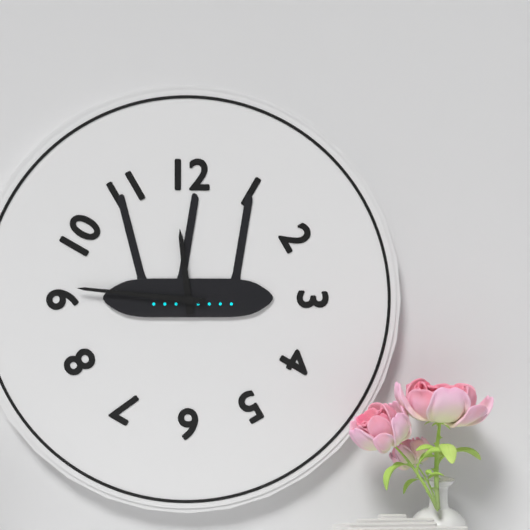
{"hour": 11, "minute": 46}
